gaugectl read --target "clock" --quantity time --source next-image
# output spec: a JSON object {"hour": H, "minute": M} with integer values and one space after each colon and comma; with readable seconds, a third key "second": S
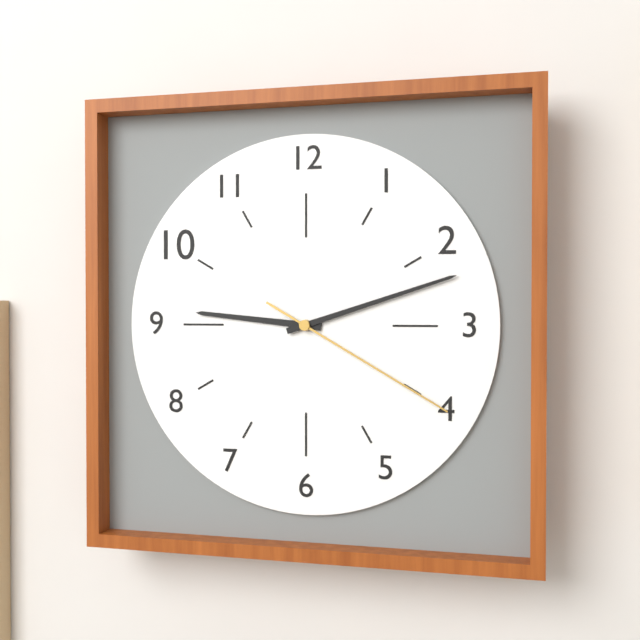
{"hour": 9, "minute": 12, "second": 20}
